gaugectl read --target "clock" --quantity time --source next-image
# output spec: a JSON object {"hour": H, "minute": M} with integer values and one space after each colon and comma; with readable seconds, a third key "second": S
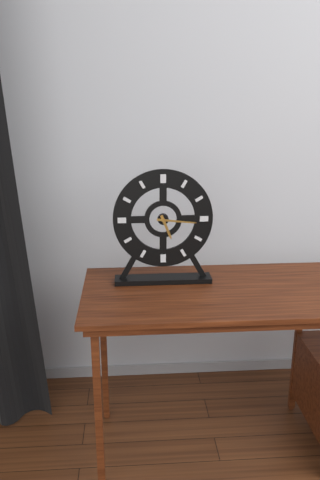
{"hour": 5, "minute": 16}
